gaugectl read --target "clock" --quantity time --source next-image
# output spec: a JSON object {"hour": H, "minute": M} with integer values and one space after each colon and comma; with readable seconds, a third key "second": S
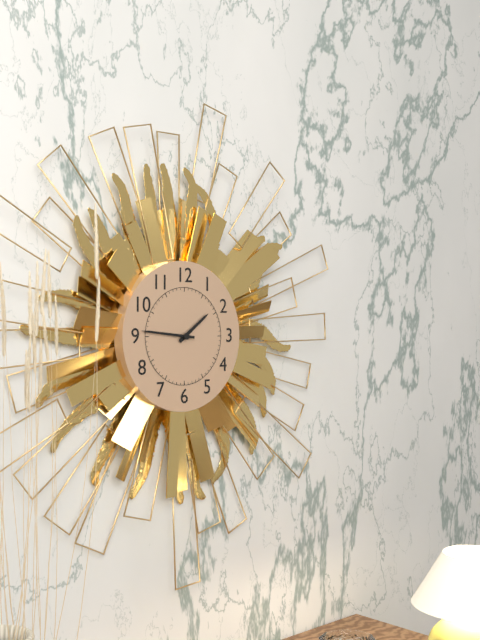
{"hour": 1, "minute": 46}
